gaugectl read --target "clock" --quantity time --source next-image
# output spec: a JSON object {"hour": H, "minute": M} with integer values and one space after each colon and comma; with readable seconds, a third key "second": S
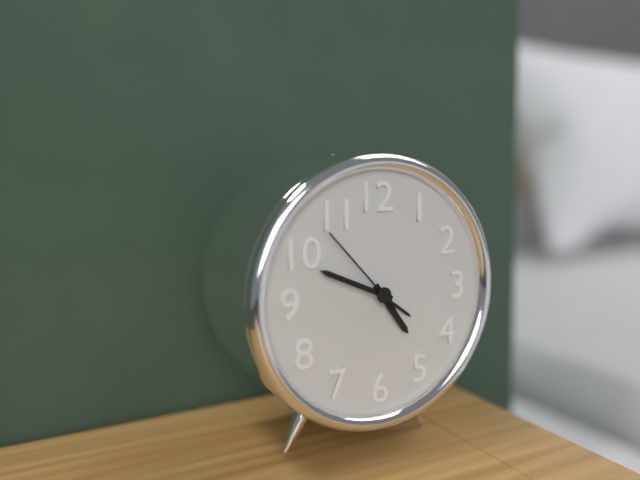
{"hour": 4, "minute": 49, "second": 53}
